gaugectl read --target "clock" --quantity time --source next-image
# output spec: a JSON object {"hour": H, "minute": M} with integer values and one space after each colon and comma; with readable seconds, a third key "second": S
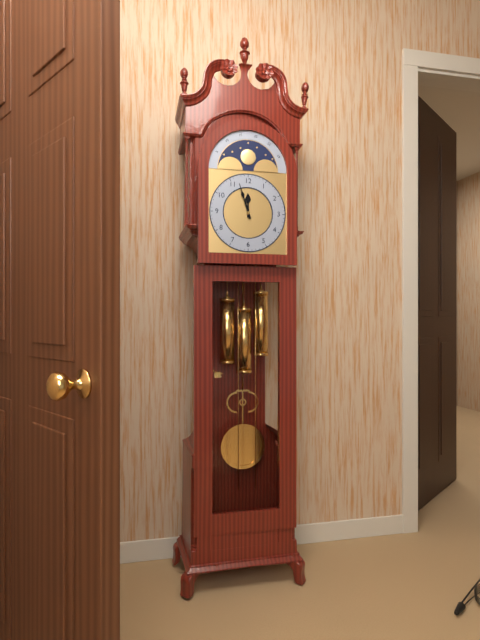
{"hour": 11, "minute": 57}
